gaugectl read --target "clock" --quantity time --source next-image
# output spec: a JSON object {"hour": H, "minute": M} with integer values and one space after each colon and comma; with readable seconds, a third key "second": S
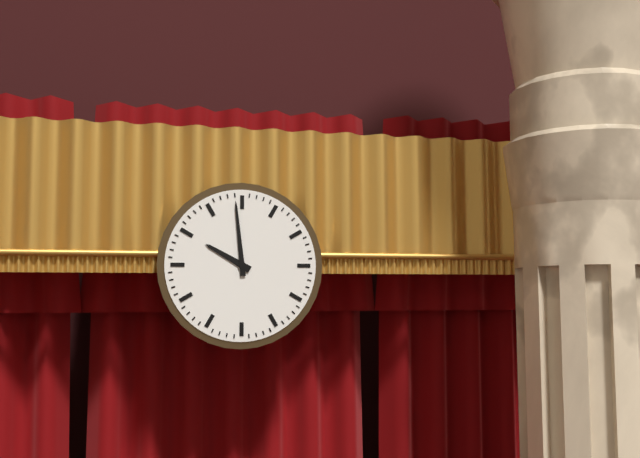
{"hour": 9, "minute": 59}
